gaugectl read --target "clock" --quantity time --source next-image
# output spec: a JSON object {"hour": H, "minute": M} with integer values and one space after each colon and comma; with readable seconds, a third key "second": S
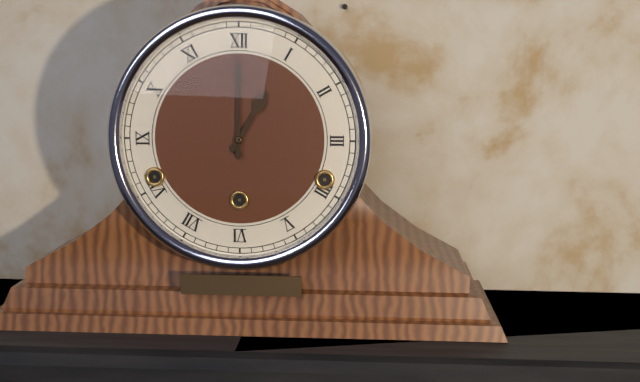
{"hour": 1, "minute": 0}
